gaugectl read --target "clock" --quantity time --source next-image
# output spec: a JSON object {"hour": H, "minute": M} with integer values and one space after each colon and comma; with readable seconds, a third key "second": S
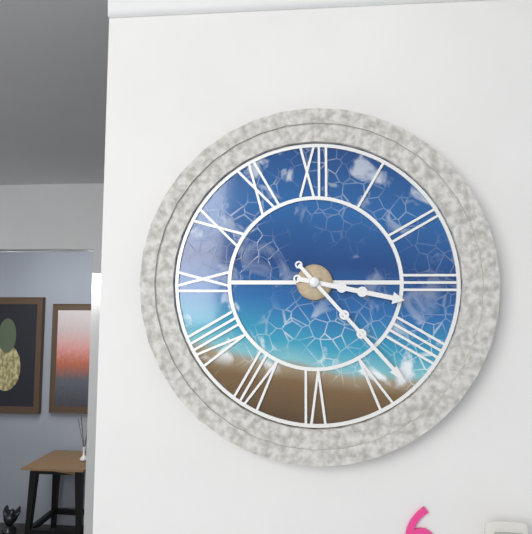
{"hour": 3, "minute": 23}
